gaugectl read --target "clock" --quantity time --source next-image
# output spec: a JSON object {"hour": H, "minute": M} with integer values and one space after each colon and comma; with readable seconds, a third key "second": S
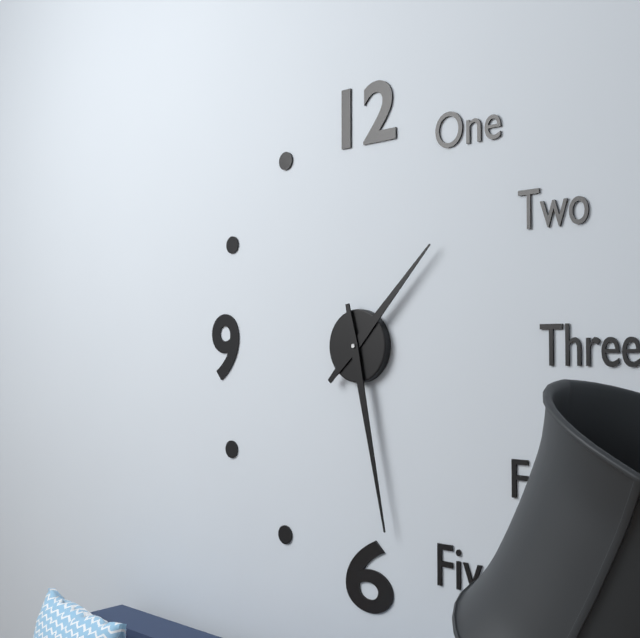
{"hour": 1, "minute": 28}
